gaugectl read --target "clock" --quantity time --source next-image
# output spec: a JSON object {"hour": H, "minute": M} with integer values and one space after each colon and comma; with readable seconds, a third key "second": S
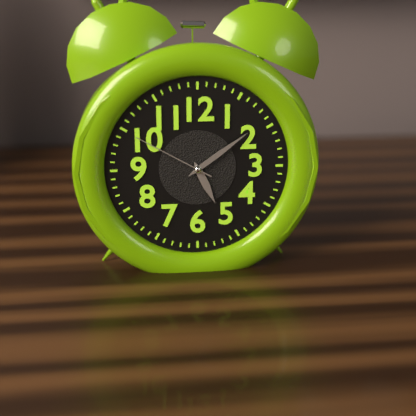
{"hour": 5, "minute": 9, "second": 50}
